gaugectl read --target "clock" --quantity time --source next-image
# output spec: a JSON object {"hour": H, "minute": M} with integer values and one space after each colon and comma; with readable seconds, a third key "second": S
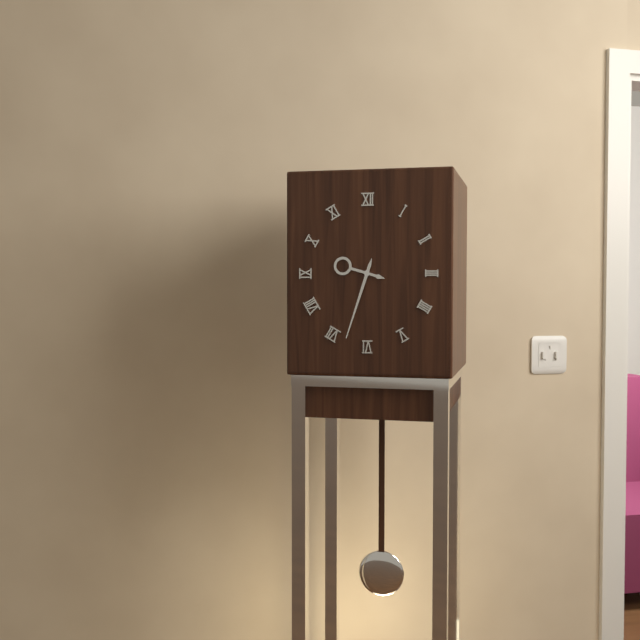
{"hour": 9, "minute": 33}
